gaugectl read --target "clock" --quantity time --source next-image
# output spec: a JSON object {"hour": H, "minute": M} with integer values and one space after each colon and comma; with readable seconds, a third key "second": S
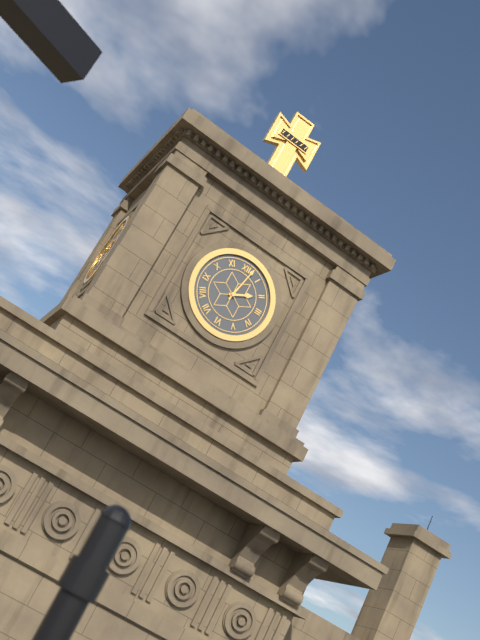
{"hour": 2, "minute": 2}
